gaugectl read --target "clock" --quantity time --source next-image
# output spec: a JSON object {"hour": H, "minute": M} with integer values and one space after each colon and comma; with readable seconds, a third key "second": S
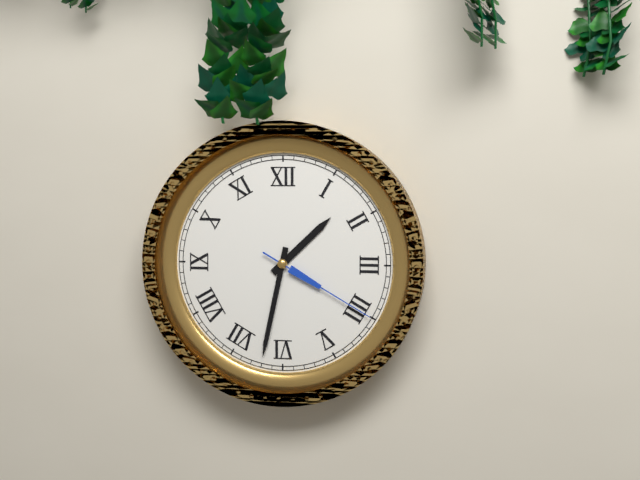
{"hour": 1, "minute": 32, "second": 20}
